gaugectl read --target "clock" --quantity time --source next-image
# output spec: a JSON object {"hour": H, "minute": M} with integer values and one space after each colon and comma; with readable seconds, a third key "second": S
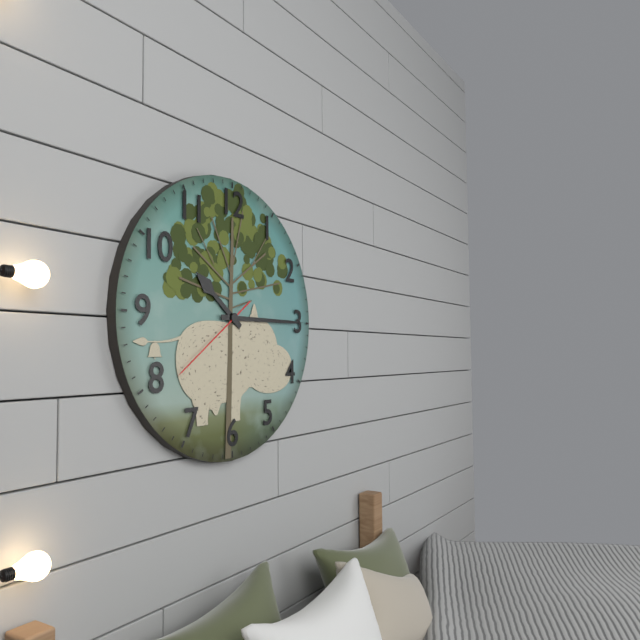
{"hour": 10, "minute": 15, "second": 39}
